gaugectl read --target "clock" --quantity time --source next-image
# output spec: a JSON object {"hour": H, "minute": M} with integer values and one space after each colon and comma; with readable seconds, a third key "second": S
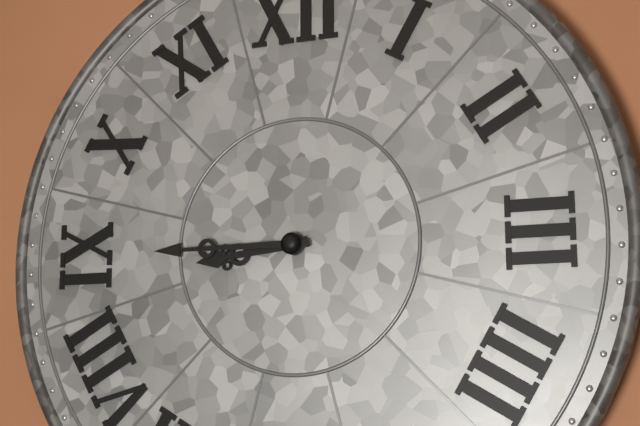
{"hour": 8, "minute": 45}
